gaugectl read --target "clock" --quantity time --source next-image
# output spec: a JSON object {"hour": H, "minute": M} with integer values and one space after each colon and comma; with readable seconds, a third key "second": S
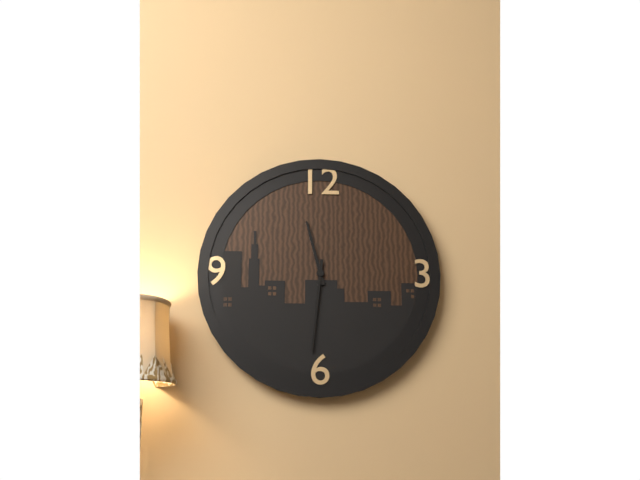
{"hour": 11, "minute": 31}
